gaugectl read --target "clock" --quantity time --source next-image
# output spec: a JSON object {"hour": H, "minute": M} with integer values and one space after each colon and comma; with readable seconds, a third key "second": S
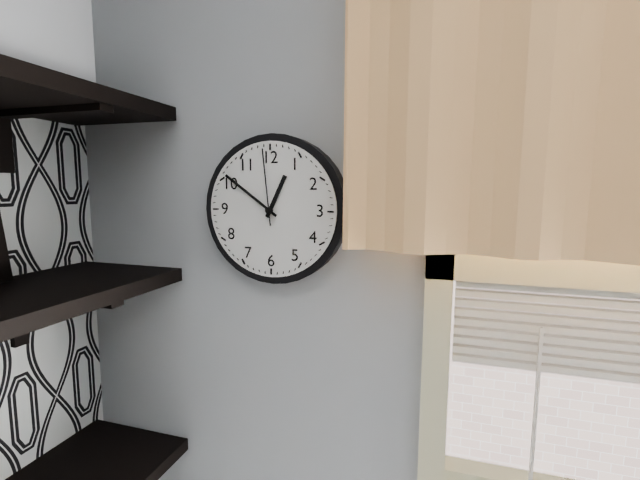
{"hour": 12, "minute": 51, "second": 59}
